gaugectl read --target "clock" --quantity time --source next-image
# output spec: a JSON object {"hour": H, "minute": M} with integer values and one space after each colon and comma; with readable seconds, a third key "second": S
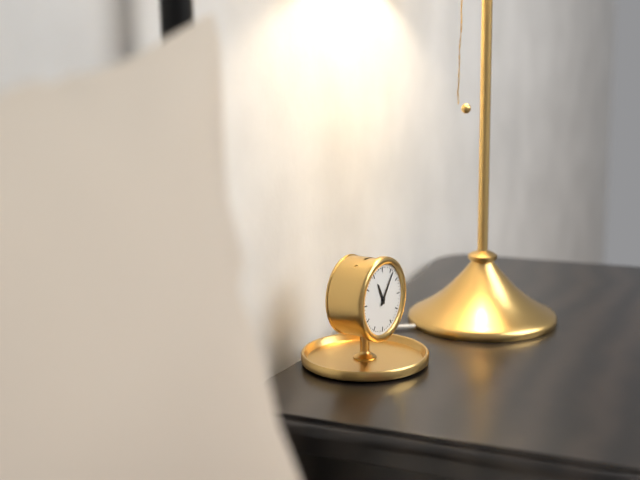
{"hour": 11, "minute": 6}
